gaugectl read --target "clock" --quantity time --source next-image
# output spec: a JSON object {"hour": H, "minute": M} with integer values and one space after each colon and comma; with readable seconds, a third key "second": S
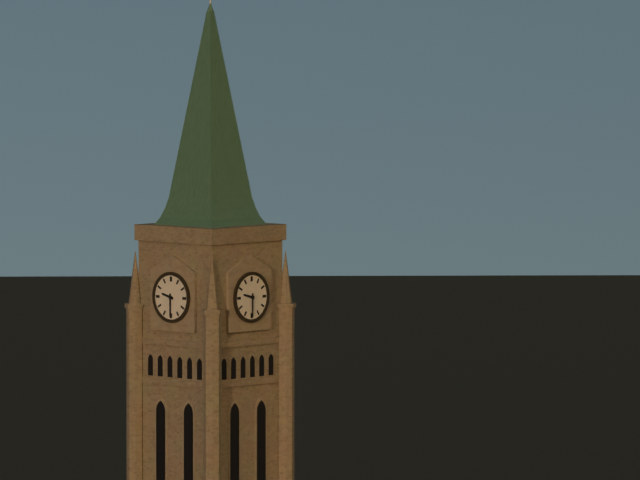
{"hour": 9, "minute": 30}
